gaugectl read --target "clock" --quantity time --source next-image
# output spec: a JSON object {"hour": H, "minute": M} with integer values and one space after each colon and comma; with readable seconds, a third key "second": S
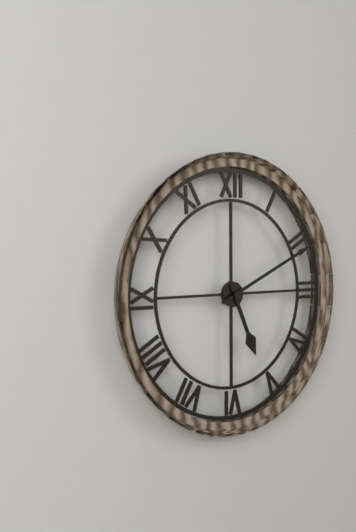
{"hour": 5, "minute": 11}
